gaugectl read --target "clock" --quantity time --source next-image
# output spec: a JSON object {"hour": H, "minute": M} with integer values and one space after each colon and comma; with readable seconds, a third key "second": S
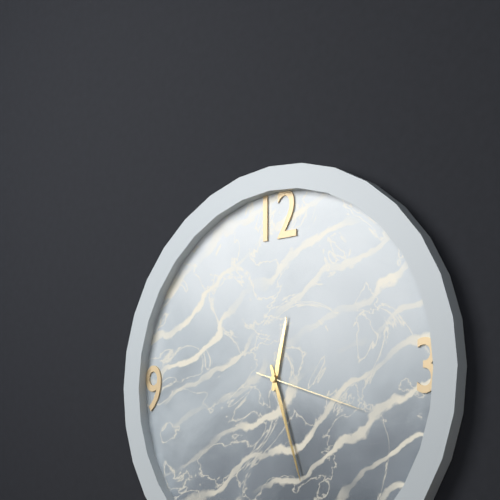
{"hour": 12, "minute": 27, "second": 18}
